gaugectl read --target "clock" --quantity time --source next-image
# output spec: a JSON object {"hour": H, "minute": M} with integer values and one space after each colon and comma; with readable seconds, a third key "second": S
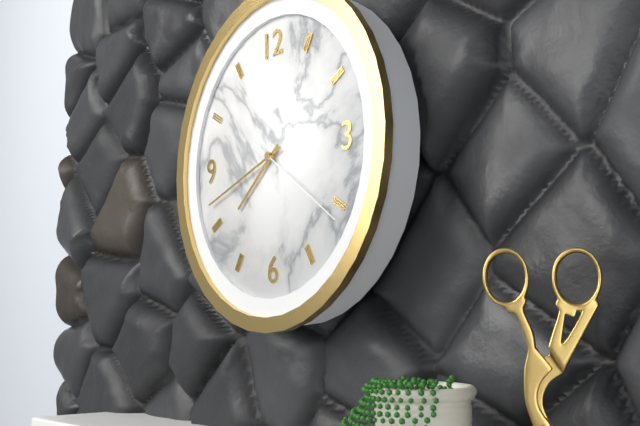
{"hour": 7, "minute": 42, "second": 21}
